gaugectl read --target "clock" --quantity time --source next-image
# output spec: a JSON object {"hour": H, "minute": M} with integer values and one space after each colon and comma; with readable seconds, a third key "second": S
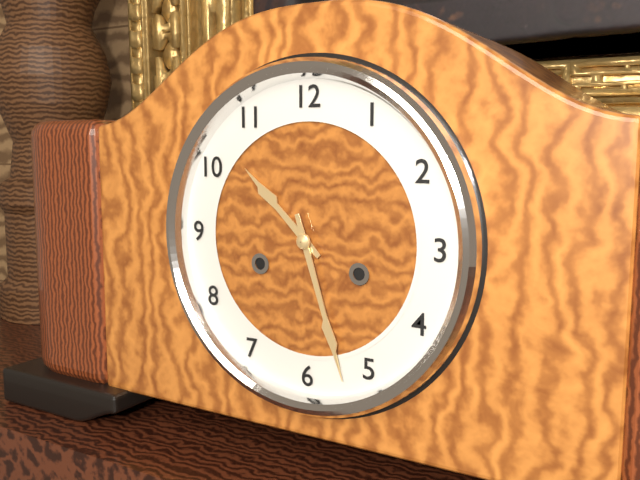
{"hour": 10, "minute": 27}
